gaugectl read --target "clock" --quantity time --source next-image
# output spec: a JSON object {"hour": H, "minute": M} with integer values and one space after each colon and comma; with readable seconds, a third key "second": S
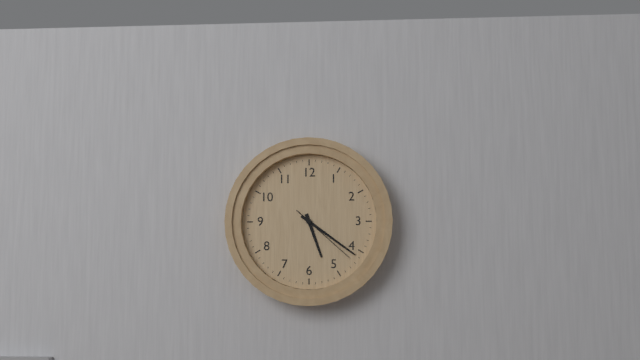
{"hour": 5, "minute": 21, "second": 22}
